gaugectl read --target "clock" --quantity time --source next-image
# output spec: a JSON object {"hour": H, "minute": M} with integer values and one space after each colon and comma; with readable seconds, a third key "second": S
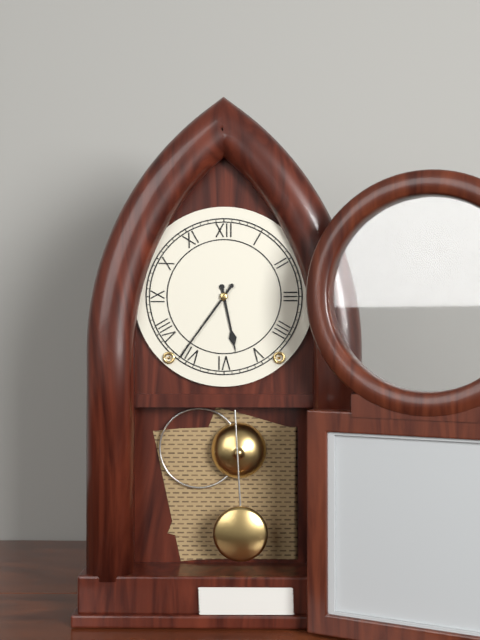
{"hour": 5, "minute": 36}
